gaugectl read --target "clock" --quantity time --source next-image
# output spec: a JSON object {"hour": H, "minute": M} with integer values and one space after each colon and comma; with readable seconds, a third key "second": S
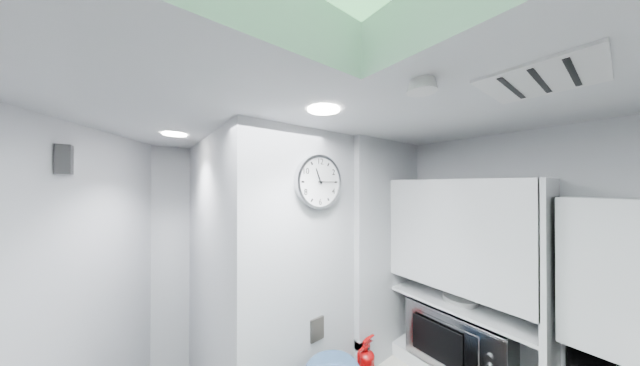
{"hour": 11, "minute": 15}
